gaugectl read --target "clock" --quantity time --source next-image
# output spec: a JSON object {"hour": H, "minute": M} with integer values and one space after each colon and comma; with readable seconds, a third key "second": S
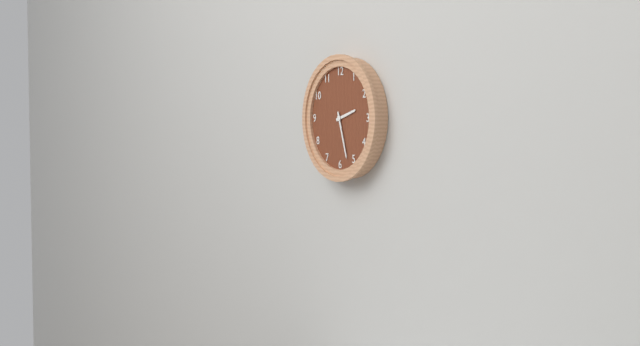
{"hour": 2, "minute": 27}
